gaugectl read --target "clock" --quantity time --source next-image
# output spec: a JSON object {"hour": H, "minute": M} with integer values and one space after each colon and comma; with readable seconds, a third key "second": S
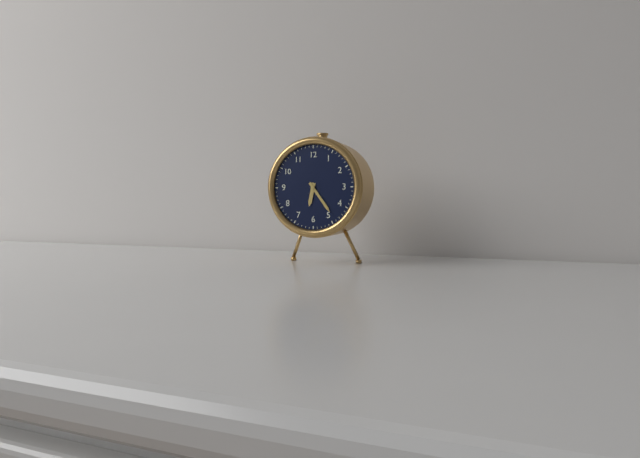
{"hour": 6, "minute": 24}
